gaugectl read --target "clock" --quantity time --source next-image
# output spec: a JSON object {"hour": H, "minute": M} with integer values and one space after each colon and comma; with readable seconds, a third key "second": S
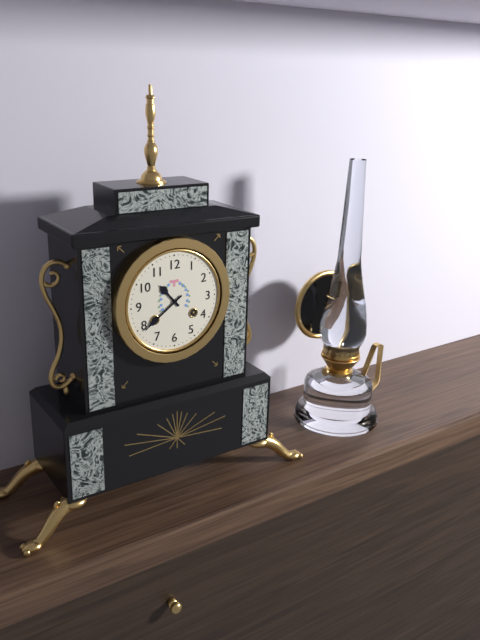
{"hour": 10, "minute": 39}
